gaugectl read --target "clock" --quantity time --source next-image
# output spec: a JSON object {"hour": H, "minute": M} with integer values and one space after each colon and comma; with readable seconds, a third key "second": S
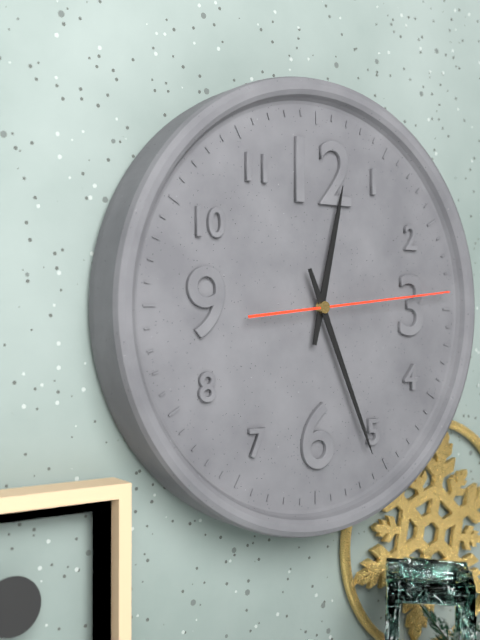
{"hour": 12, "minute": 26, "second": 14}
